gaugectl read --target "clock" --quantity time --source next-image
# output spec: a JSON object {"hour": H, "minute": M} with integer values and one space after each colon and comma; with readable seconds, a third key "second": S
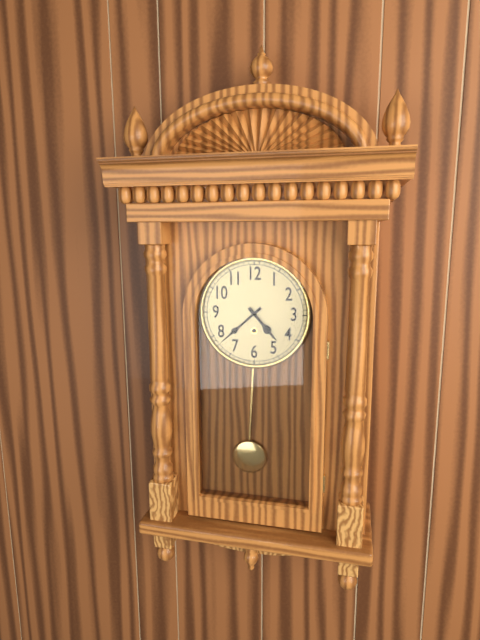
{"hour": 4, "minute": 38}
